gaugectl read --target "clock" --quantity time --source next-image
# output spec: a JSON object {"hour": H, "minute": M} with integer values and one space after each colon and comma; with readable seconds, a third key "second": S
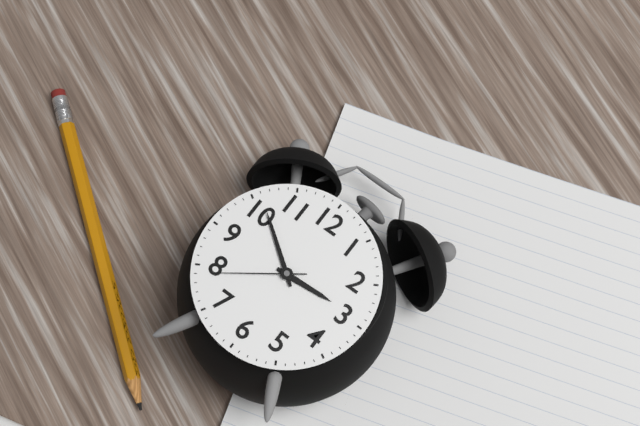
{"hour": 2, "minute": 51, "second": 39}
